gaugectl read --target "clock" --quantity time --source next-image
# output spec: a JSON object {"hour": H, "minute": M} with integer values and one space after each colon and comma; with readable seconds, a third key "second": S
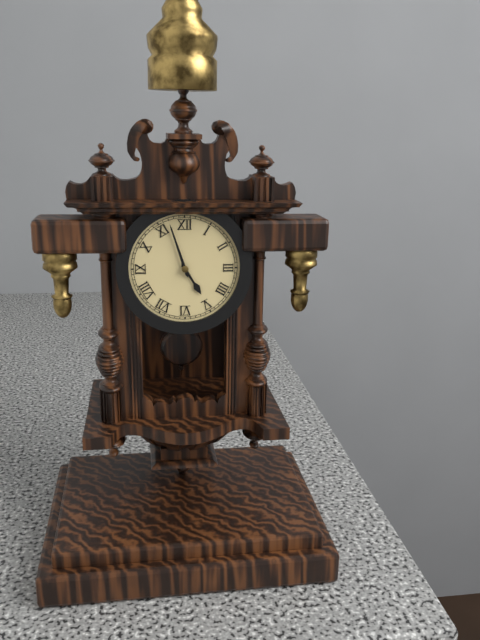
{"hour": 4, "minute": 57}
